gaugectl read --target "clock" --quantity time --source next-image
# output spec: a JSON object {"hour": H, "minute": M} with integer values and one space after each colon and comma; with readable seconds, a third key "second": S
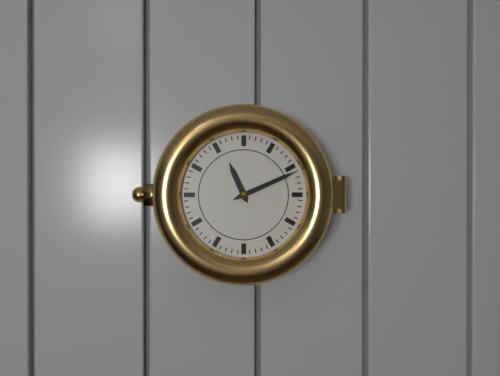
{"hour": 11, "minute": 11}
